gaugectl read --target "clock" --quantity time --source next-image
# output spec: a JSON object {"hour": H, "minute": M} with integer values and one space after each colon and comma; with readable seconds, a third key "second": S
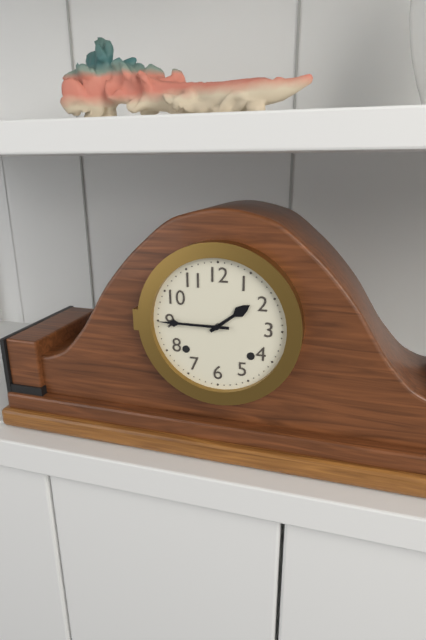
{"hour": 1, "minute": 45}
